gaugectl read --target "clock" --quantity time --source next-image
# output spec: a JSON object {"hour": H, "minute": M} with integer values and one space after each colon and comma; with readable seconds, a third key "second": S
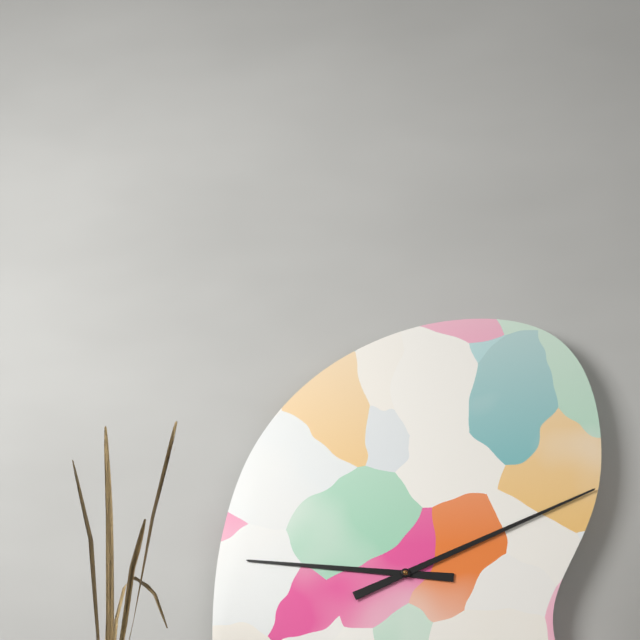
{"hour": 9, "minute": 11}
